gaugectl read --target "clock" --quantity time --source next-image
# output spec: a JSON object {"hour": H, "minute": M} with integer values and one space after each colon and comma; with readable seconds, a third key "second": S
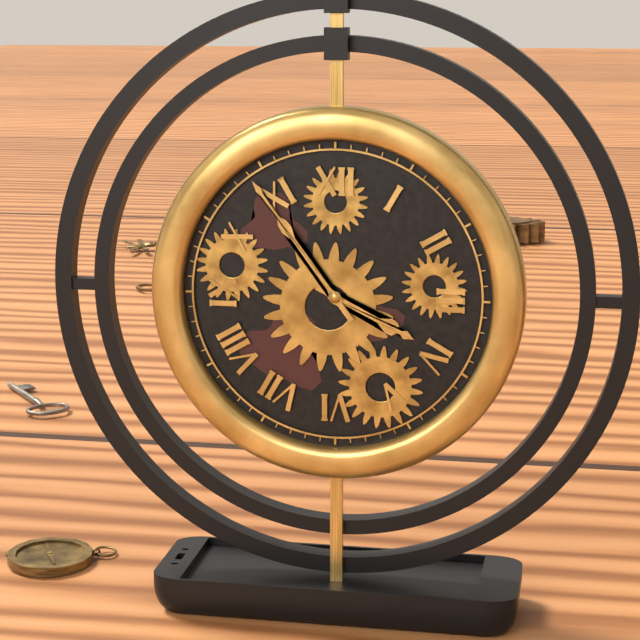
{"hour": 3, "minute": 54}
